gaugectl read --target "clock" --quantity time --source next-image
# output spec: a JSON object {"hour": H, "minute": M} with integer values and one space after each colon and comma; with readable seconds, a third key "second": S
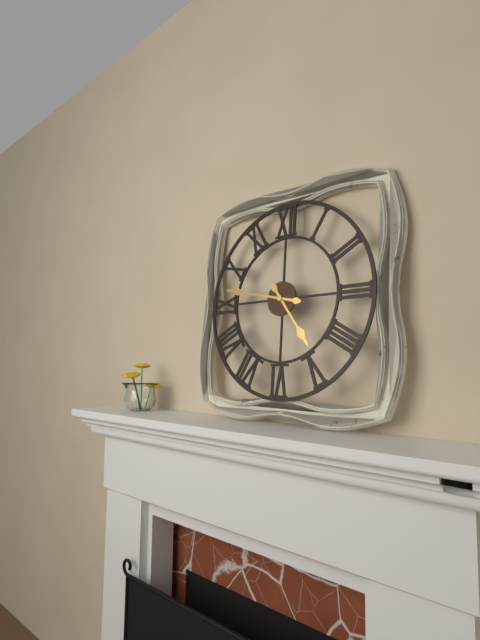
{"hour": 4, "minute": 47}
